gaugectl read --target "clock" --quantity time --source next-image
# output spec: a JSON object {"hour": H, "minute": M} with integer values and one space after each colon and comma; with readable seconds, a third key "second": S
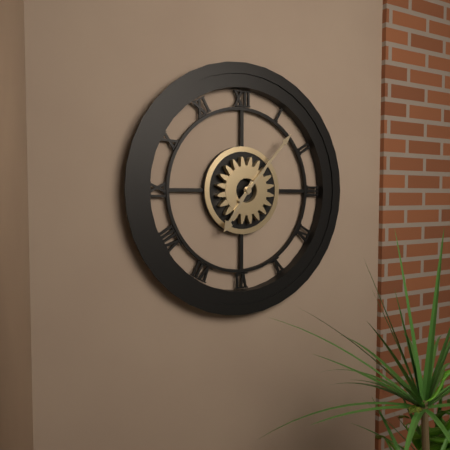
{"hour": 7, "minute": 7}
